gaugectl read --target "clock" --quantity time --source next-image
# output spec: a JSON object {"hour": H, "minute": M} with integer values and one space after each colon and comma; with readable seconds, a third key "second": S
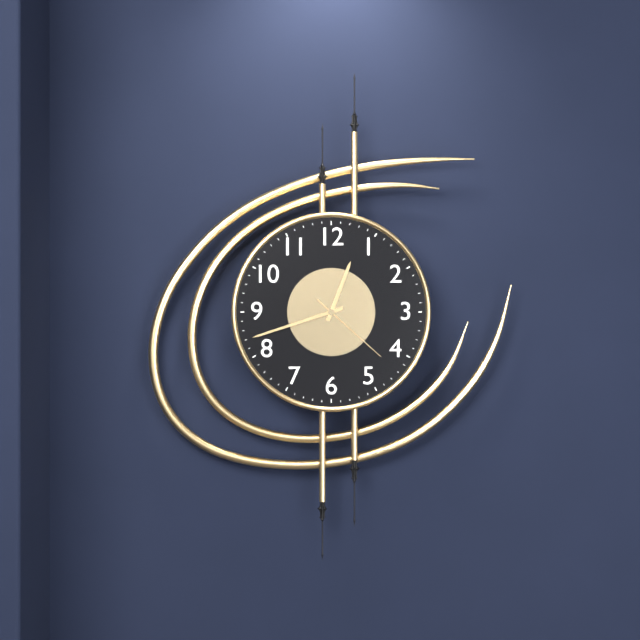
{"hour": 12, "minute": 42, "second": 22}
